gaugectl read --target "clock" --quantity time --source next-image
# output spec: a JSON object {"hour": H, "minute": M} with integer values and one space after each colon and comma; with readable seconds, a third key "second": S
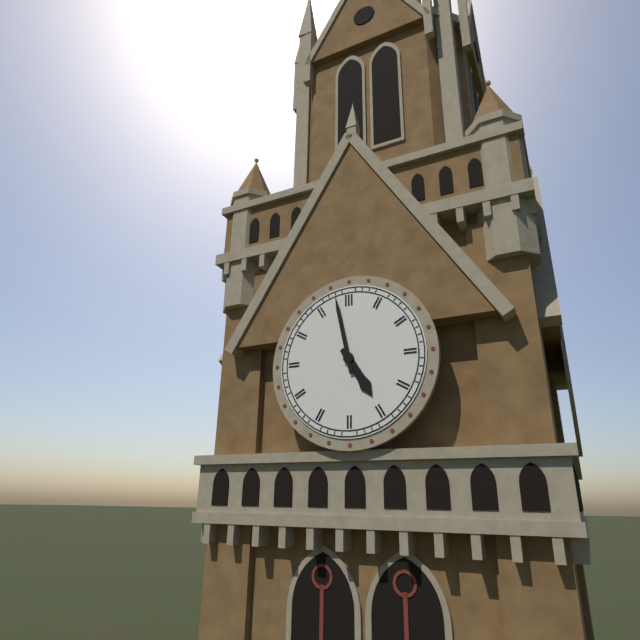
{"hour": 4, "minute": 58}
